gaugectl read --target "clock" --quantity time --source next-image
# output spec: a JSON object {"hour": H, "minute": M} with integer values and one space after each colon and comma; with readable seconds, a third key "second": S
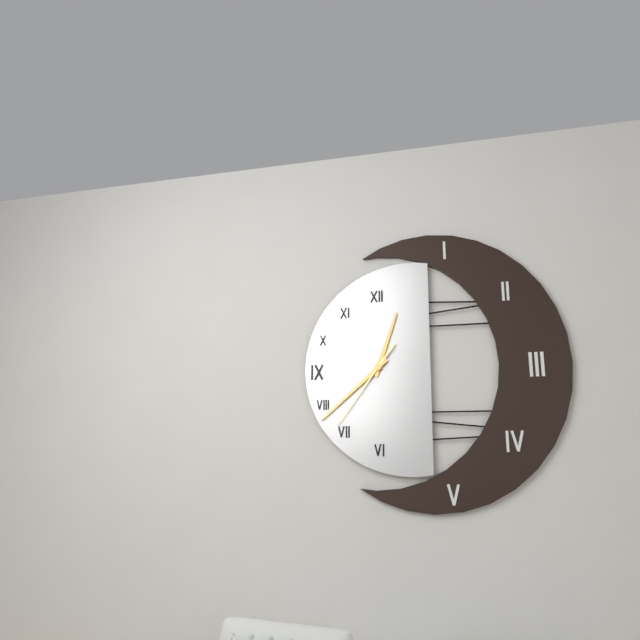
{"hour": 12, "minute": 38, "second": 36}
